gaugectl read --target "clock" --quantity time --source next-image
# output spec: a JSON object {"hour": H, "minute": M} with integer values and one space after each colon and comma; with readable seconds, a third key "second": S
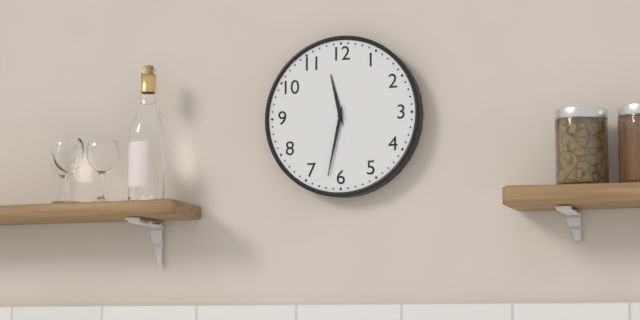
{"hour": 11, "minute": 32}
